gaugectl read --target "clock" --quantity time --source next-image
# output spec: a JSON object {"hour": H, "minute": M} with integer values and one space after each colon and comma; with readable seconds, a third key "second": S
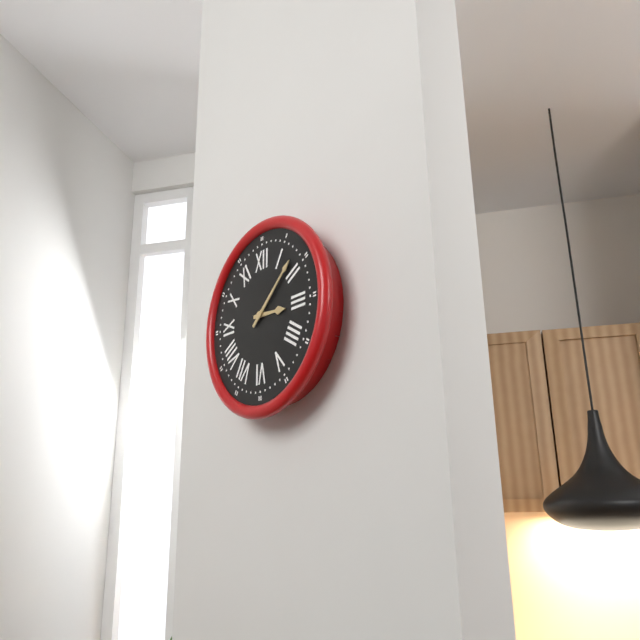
{"hour": 3, "minute": 8}
